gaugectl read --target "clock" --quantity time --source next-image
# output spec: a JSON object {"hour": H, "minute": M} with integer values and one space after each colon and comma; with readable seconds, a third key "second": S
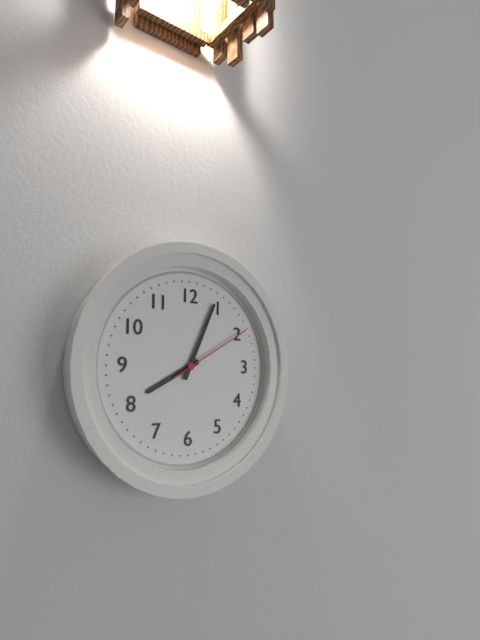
{"hour": 8, "minute": 4, "second": 10}
